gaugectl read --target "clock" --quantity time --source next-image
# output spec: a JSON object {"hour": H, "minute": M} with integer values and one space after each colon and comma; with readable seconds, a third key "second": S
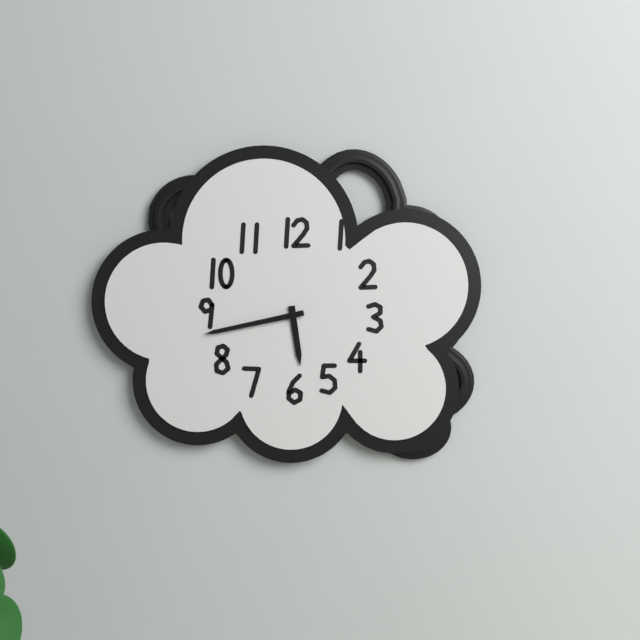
{"hour": 5, "minute": 43}
